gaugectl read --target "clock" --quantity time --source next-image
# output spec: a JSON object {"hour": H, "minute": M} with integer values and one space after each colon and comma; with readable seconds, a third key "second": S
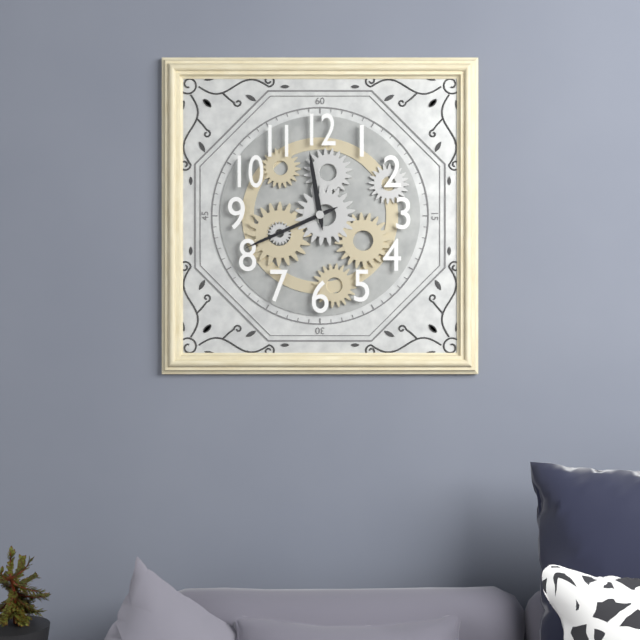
{"hour": 11, "minute": 41}
